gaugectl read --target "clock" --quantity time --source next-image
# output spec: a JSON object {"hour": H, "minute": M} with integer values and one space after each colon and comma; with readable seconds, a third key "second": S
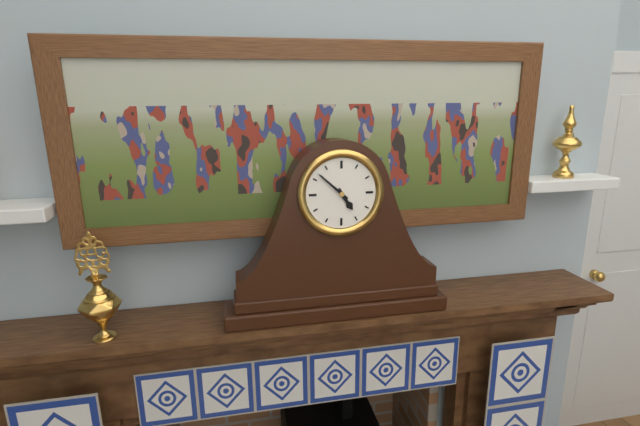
{"hour": 4, "minute": 52}
